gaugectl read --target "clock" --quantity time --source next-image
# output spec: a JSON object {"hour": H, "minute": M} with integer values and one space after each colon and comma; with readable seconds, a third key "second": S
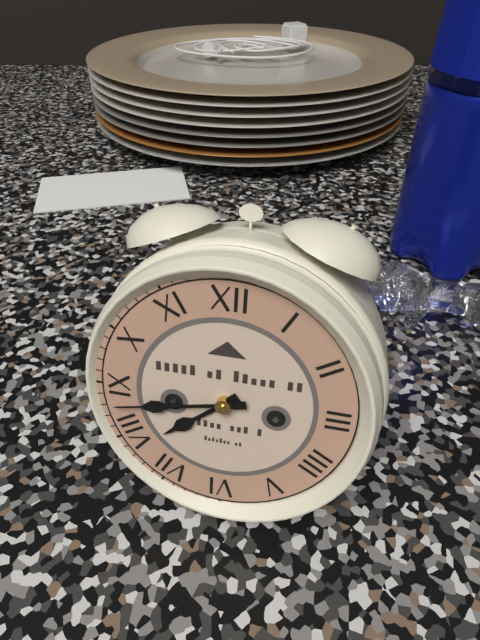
{"hour": 7, "minute": 43}
